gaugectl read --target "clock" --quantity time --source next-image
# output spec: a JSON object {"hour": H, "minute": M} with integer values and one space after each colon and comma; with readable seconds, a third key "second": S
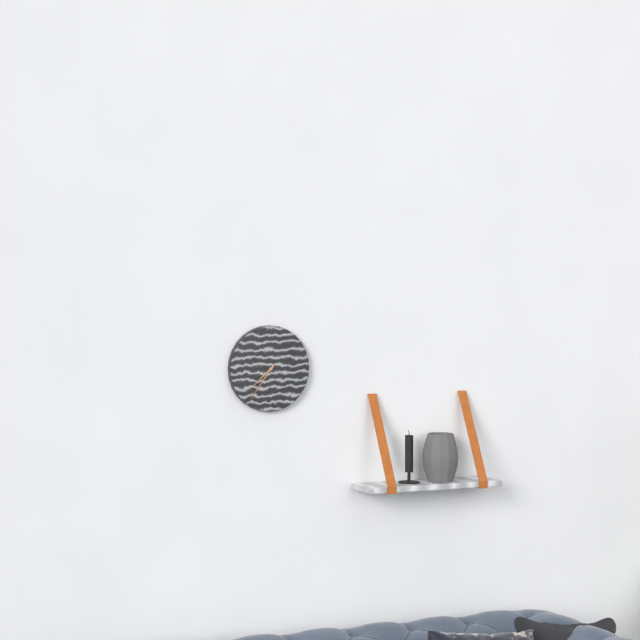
{"hour": 7, "minute": 36}
